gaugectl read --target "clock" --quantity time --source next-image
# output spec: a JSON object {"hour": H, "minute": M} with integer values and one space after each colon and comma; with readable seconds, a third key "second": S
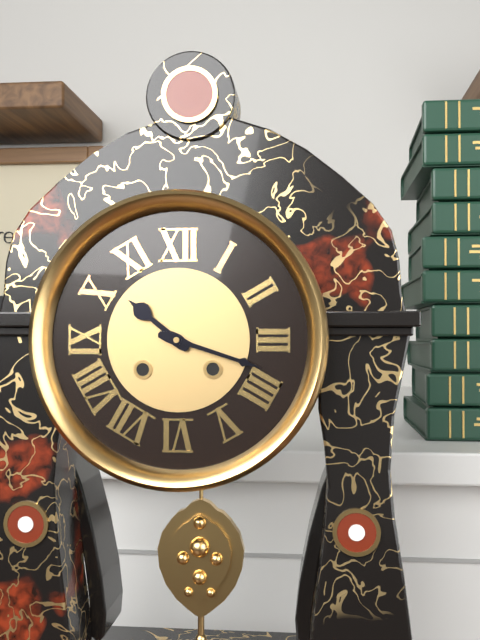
{"hour": 10, "minute": 18}
